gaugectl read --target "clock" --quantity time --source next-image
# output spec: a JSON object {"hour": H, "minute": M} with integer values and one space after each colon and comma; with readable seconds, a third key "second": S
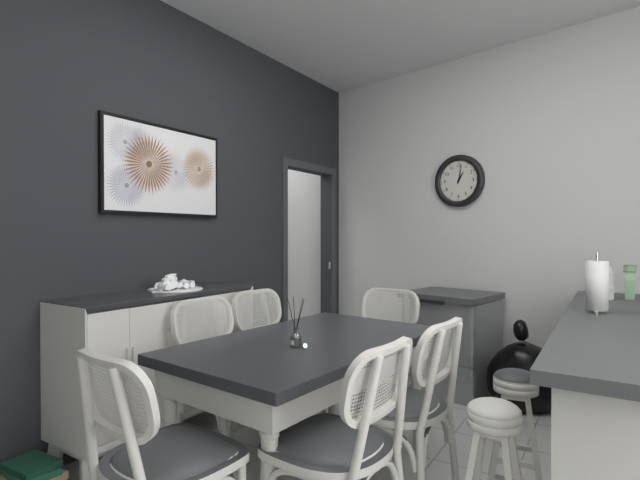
{"hour": 1, "minute": 2}
